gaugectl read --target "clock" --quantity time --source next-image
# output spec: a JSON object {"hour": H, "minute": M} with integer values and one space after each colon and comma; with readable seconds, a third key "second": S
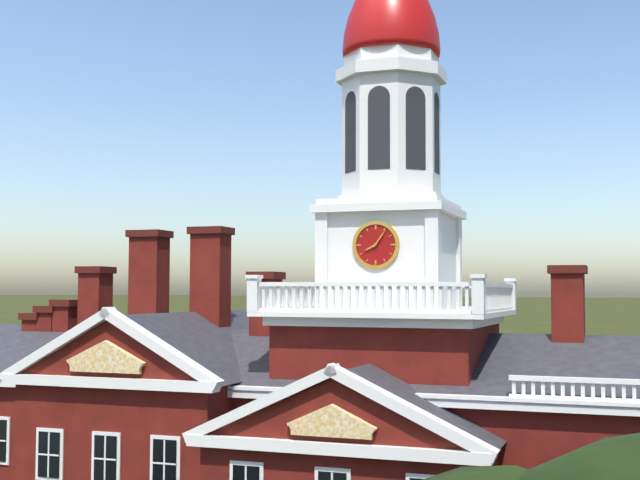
{"hour": 8, "minute": 6}
